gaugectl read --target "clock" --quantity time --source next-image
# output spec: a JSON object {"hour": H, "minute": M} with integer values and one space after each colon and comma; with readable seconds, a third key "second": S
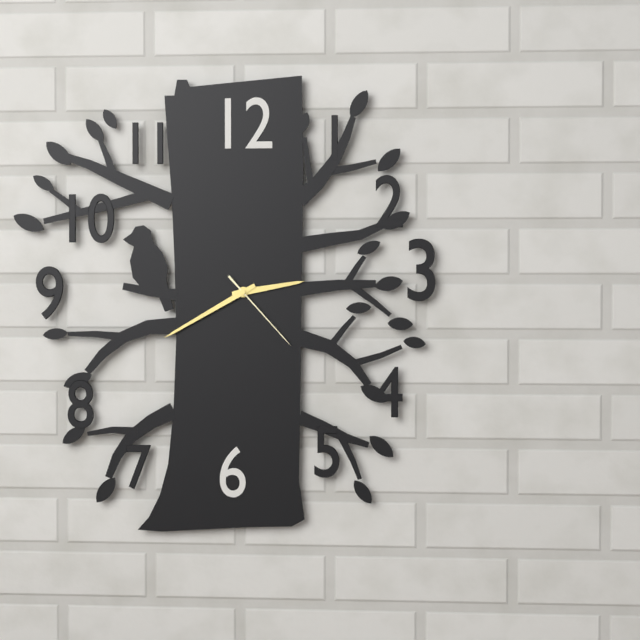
{"hour": 2, "minute": 40, "second": 23}
